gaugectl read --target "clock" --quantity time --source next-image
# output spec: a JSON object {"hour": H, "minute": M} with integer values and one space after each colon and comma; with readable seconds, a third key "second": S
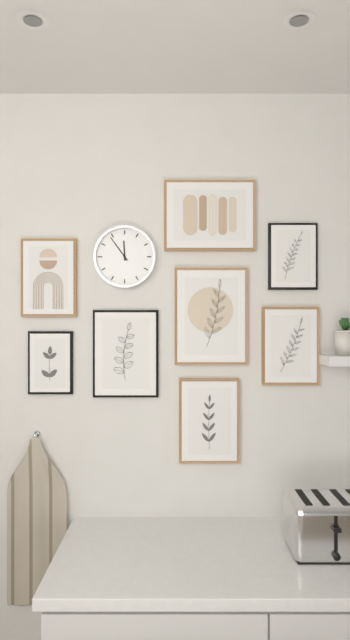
{"hour": 11, "minute": 54}
